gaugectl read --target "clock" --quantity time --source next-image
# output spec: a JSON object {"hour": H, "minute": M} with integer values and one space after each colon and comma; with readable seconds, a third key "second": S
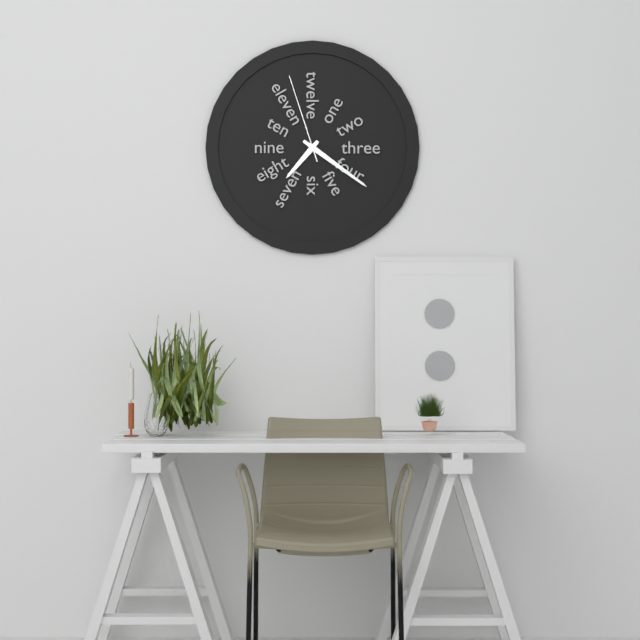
{"hour": 7, "minute": 21, "second": 57}
